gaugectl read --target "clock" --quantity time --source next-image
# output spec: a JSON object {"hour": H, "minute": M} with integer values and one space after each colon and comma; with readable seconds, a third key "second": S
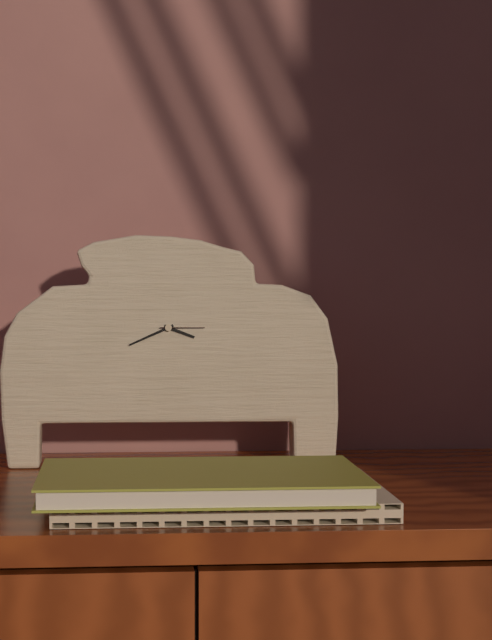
{"hour": 3, "minute": 41}
